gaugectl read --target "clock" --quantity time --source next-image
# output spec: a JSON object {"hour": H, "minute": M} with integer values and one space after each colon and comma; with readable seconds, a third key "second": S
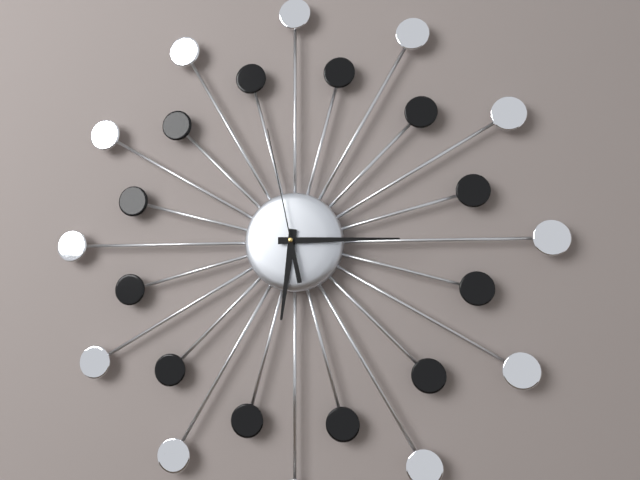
{"hour": 6, "minute": 15, "second": 58}
